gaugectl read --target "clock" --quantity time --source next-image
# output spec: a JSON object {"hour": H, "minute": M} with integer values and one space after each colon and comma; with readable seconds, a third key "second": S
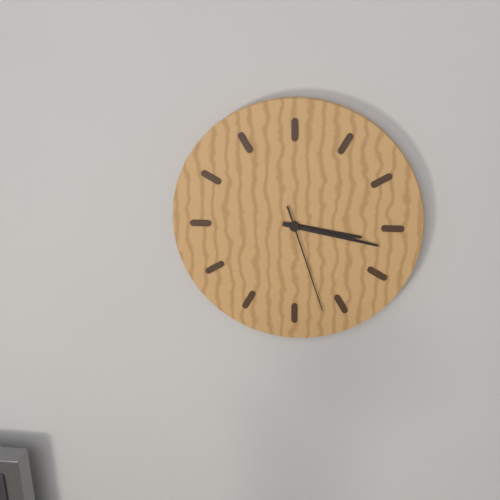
{"hour": 3, "minute": 17, "second": 27}
